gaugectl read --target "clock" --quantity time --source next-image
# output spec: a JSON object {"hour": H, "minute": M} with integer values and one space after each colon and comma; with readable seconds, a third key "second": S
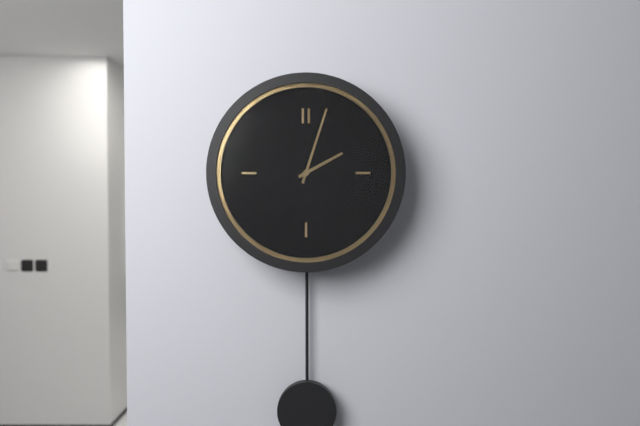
{"hour": 2, "minute": 3}
